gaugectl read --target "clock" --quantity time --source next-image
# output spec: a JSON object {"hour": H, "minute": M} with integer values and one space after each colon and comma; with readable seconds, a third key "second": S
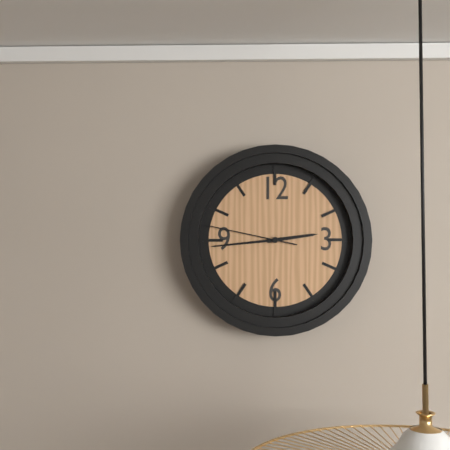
{"hour": 2, "minute": 44, "second": 47}
